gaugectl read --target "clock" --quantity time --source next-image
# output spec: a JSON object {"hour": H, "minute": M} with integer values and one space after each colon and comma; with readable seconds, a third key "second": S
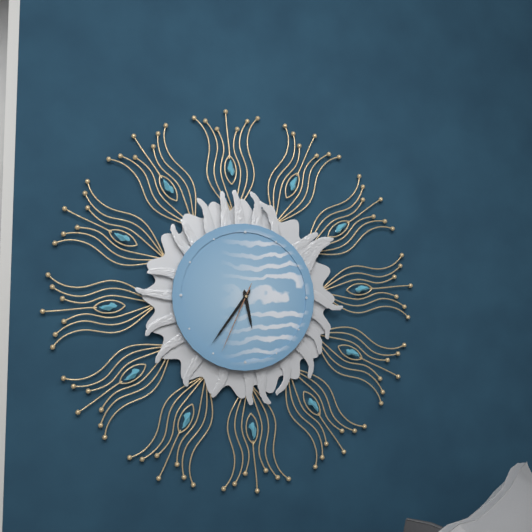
{"hour": 5, "minute": 36, "second": 34}
